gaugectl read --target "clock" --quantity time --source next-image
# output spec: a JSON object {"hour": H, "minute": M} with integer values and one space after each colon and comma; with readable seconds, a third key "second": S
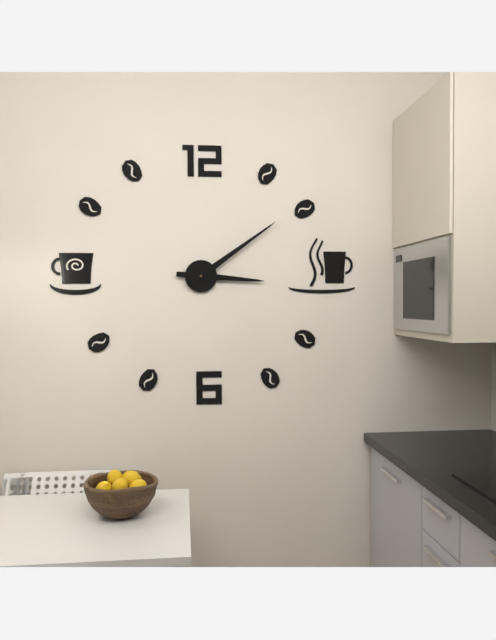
{"hour": 3, "minute": 9}
